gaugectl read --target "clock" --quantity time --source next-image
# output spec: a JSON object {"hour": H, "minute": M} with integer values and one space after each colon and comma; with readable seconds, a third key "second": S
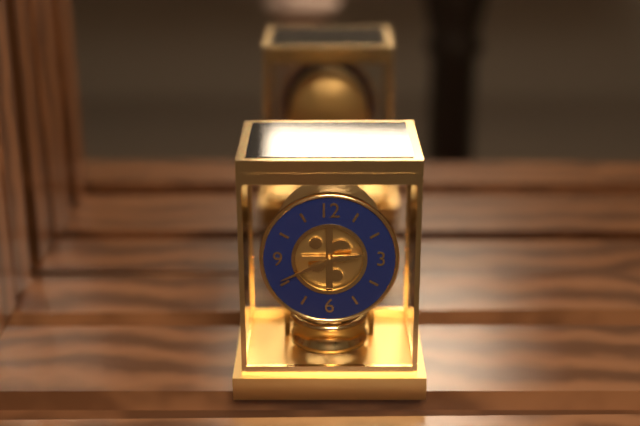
{"hour": 2, "minute": 41}
